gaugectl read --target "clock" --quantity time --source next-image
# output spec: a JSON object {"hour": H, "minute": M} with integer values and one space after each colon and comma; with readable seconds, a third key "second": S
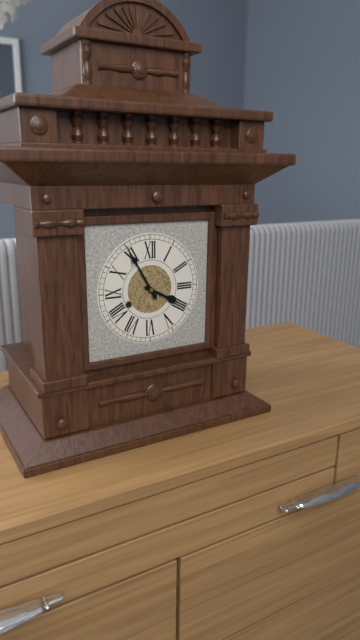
{"hour": 3, "minute": 55}
